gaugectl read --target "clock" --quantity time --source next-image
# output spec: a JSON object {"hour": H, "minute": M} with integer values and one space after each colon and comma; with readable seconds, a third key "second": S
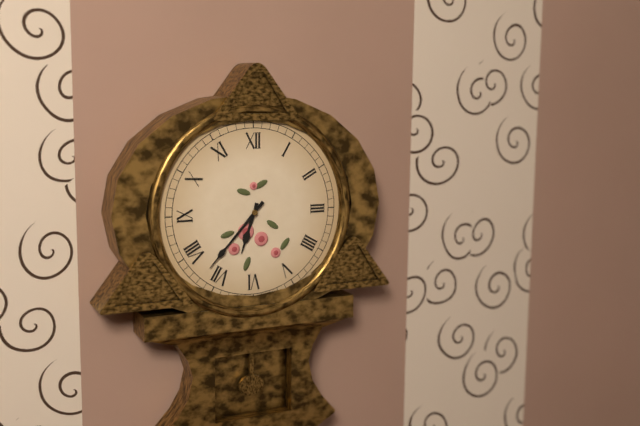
{"hour": 6, "minute": 37}
